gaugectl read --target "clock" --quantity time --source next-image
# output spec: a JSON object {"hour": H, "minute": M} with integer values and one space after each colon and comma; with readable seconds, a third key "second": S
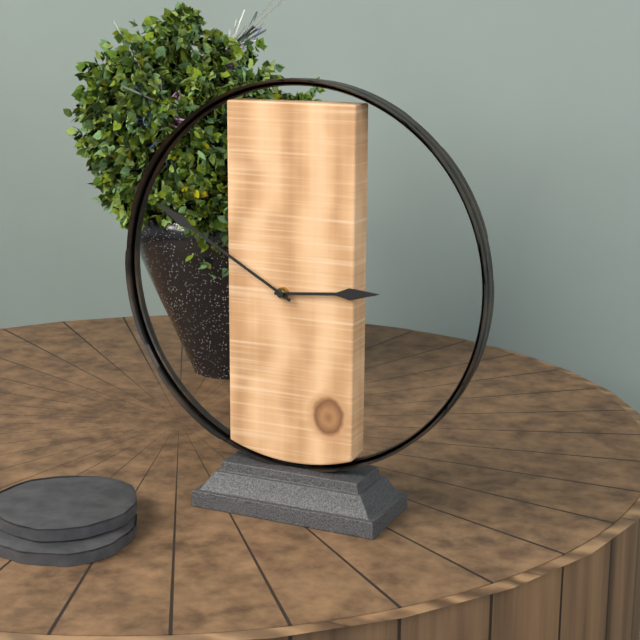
{"hour": 2, "minute": 50}
